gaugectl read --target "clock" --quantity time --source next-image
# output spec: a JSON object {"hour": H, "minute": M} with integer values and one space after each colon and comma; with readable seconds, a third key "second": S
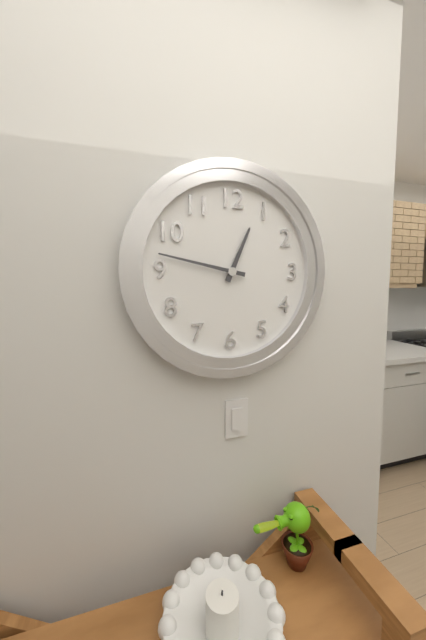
{"hour": 12, "minute": 47}
